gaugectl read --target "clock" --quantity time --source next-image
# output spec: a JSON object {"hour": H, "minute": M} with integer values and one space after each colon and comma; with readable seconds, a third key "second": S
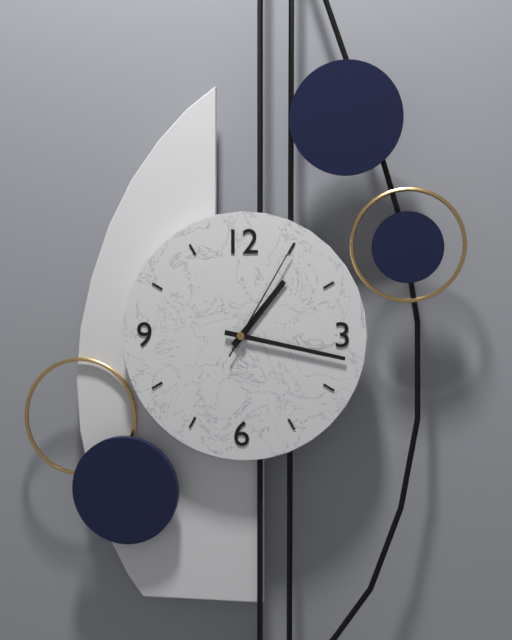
{"hour": 1, "minute": 17, "second": 5}
